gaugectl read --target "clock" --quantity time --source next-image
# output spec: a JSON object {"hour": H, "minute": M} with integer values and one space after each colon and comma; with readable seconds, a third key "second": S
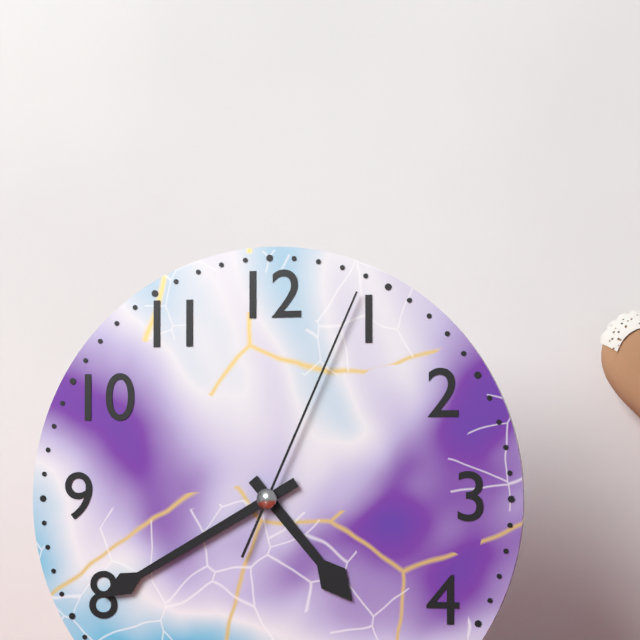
{"hour": 4, "minute": 40, "second": 4}
